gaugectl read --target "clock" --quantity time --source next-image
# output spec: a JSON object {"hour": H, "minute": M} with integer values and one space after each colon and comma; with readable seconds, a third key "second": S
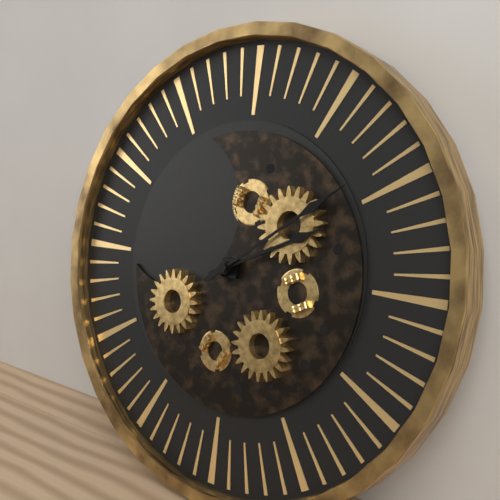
{"hour": 2, "minute": 9}
